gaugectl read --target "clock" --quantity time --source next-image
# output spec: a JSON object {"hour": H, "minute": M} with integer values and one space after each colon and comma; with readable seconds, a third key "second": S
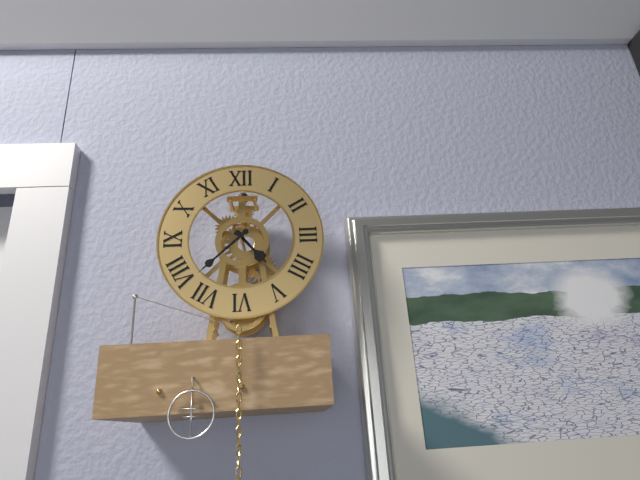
{"hour": 4, "minute": 38}
